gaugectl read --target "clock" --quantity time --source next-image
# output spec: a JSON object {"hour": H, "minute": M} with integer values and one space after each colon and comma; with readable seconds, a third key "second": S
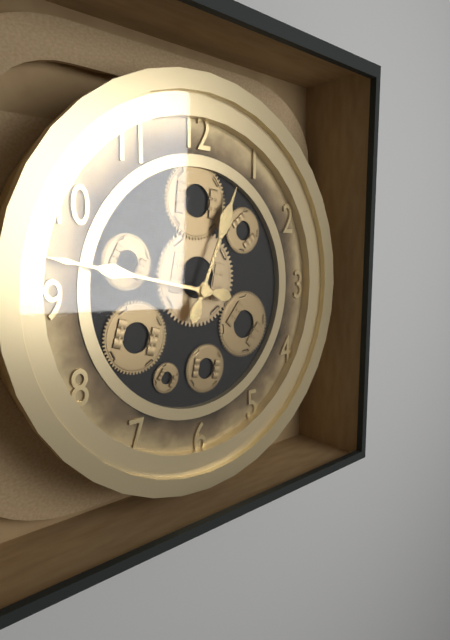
{"hour": 12, "minute": 47}
